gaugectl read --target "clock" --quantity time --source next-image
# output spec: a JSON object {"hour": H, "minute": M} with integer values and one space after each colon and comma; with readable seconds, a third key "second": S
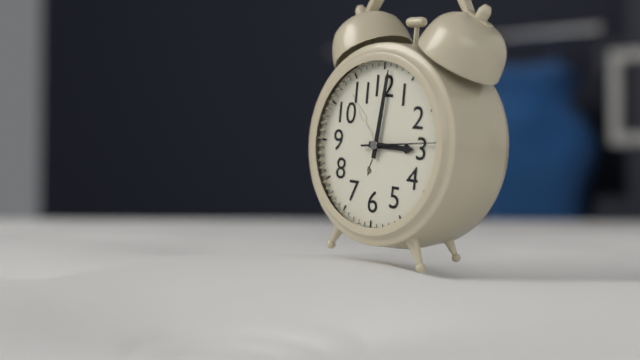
{"hour": 3, "minute": 1, "second": 14}
